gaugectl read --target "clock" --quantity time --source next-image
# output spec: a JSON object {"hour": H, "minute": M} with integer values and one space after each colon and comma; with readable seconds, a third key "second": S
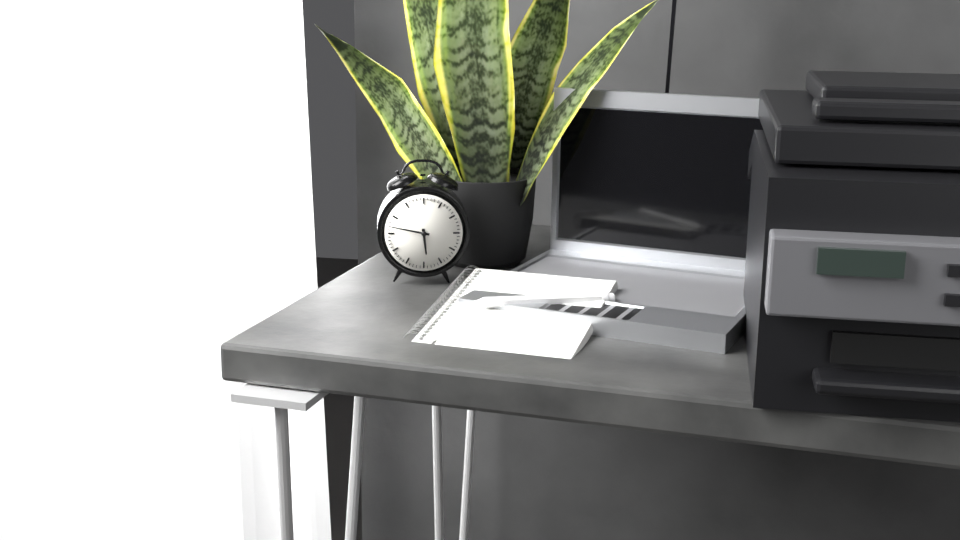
{"hour": 5, "minute": 47}
